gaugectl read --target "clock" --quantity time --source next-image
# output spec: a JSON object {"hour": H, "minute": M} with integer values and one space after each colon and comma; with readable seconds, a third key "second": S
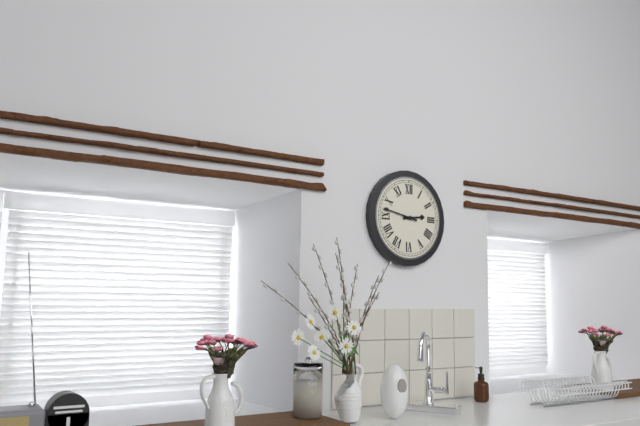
{"hour": 2, "minute": 47}
